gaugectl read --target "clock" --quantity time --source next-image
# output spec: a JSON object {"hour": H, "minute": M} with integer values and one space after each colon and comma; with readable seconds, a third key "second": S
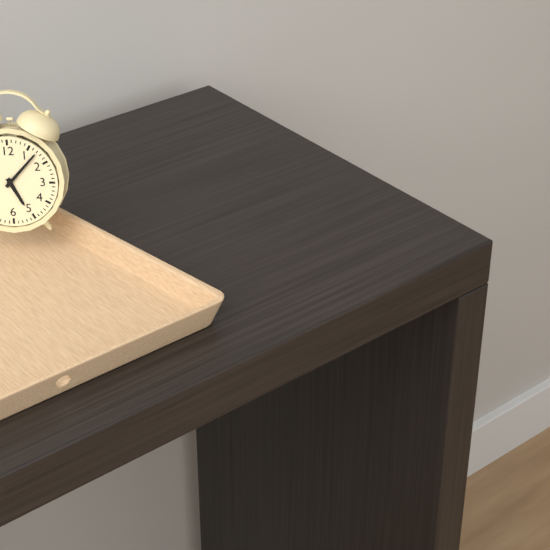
{"hour": 5, "minute": 7}
